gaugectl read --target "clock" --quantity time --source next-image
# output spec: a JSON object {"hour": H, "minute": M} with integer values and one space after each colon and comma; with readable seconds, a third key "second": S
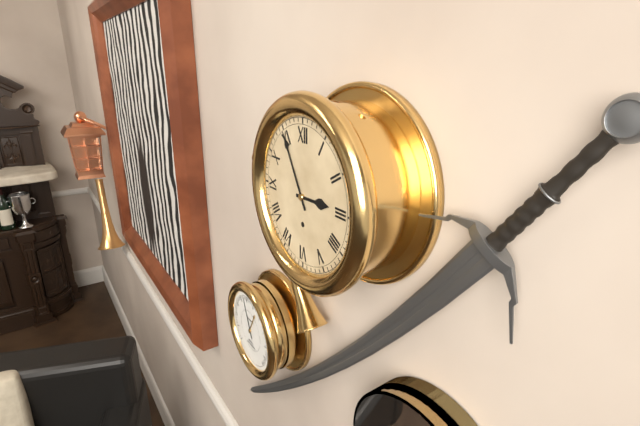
{"hour": 2, "minute": 55}
